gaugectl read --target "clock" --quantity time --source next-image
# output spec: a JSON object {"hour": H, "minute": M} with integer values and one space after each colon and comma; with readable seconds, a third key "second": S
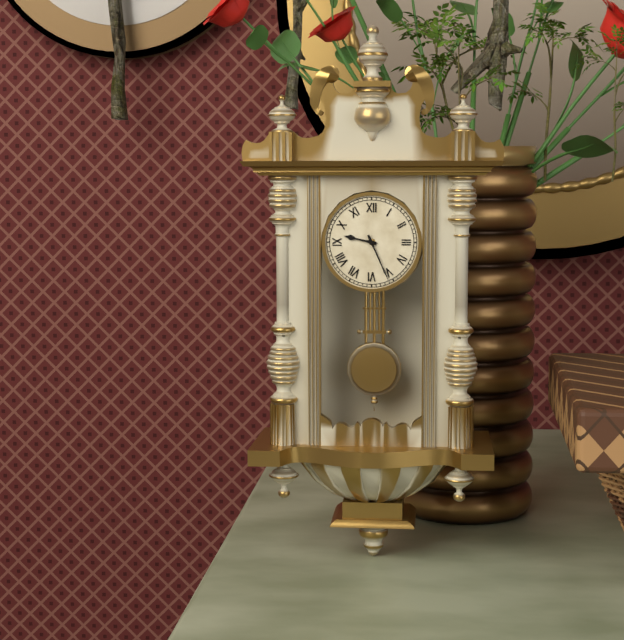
{"hour": 9, "minute": 26}
